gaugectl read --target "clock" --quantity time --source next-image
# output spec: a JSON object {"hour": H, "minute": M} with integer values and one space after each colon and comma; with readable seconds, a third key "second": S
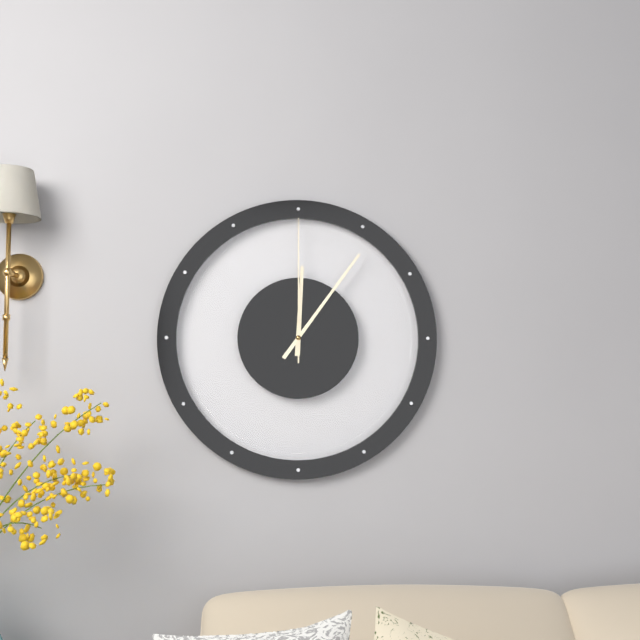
{"hour": 12, "minute": 6, "second": 0}
